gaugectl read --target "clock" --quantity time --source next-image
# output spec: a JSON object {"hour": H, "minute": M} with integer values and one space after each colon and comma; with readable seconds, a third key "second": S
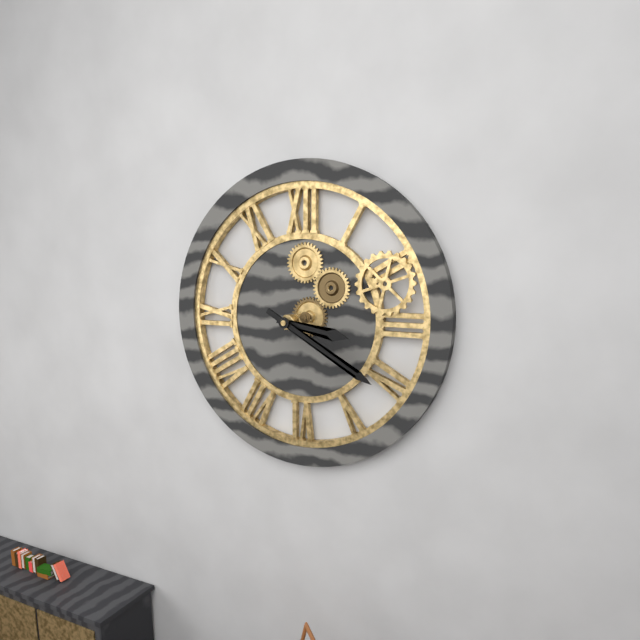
{"hour": 3, "minute": 20}
